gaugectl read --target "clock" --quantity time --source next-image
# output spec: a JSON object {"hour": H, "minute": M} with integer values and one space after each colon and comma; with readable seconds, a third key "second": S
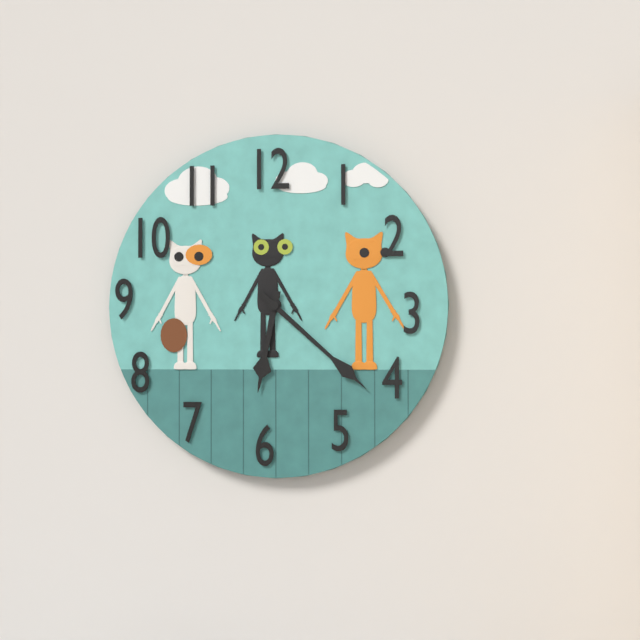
{"hour": 6, "minute": 22}
